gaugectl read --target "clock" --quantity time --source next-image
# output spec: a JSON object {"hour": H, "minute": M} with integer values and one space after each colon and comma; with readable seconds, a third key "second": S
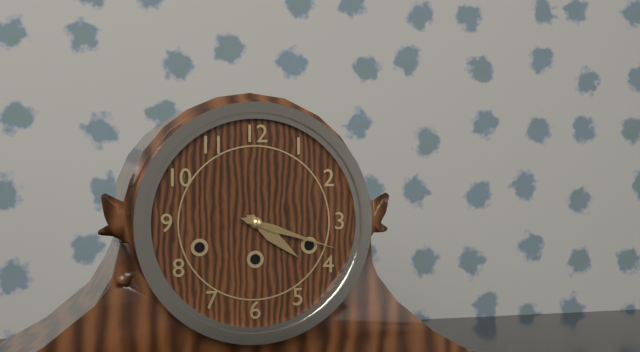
{"hour": 4, "minute": 18}
